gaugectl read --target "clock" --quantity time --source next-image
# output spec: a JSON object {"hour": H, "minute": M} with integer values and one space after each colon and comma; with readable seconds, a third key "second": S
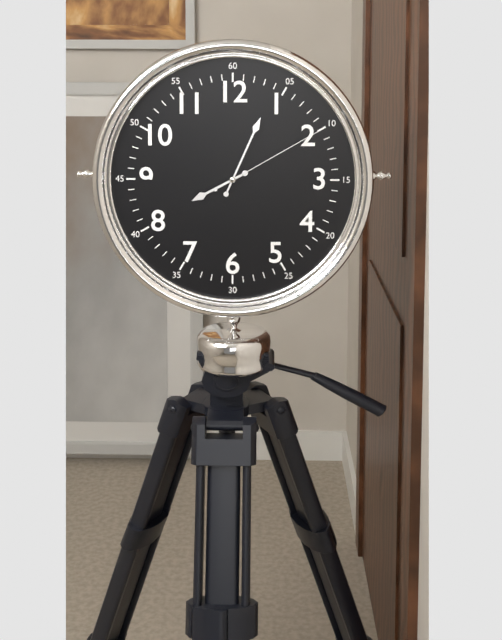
{"hour": 8, "minute": 4, "second": 10}
